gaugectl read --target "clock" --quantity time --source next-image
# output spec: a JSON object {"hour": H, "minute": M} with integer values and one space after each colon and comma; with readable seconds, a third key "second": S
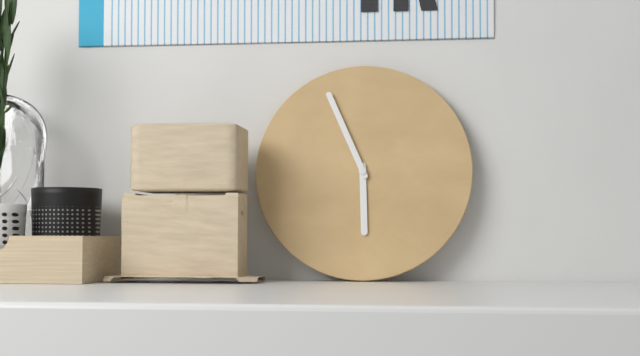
{"hour": 5, "minute": 56}
